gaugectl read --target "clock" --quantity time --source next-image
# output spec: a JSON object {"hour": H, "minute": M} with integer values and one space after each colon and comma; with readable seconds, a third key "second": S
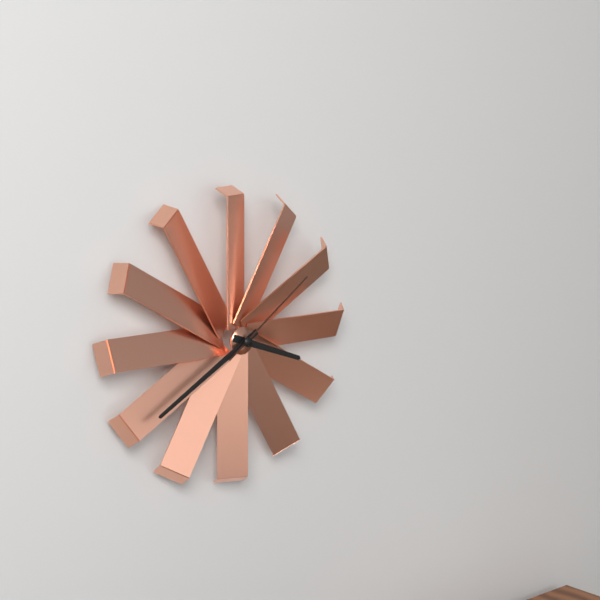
{"hour": 3, "minute": 40, "second": 9}
